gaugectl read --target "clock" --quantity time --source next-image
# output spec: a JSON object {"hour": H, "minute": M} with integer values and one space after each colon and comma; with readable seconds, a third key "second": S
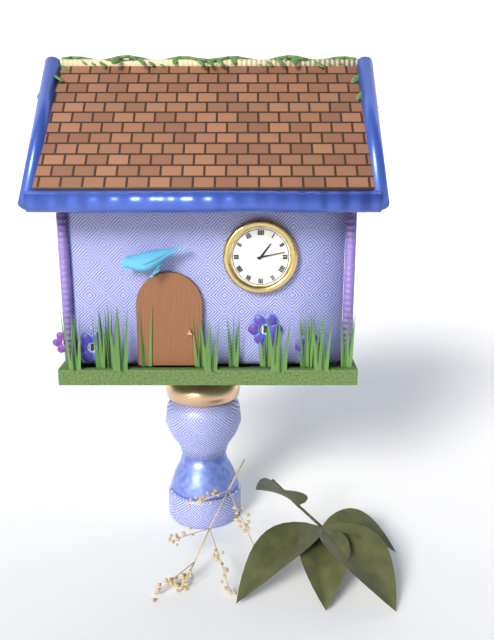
{"hour": 1, "minute": 13}
